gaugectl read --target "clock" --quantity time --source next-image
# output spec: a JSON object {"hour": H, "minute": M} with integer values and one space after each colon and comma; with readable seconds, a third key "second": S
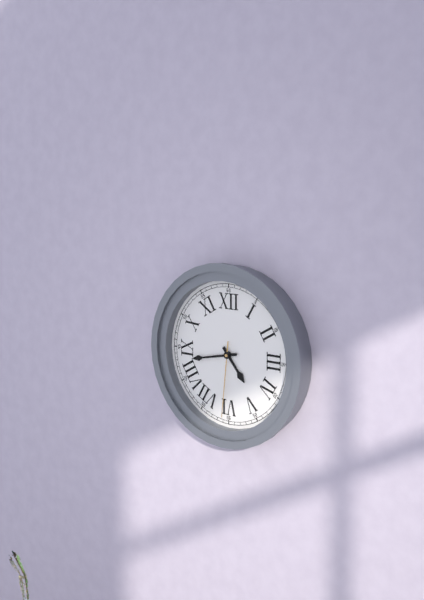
{"hour": 4, "minute": 43, "second": 31}
